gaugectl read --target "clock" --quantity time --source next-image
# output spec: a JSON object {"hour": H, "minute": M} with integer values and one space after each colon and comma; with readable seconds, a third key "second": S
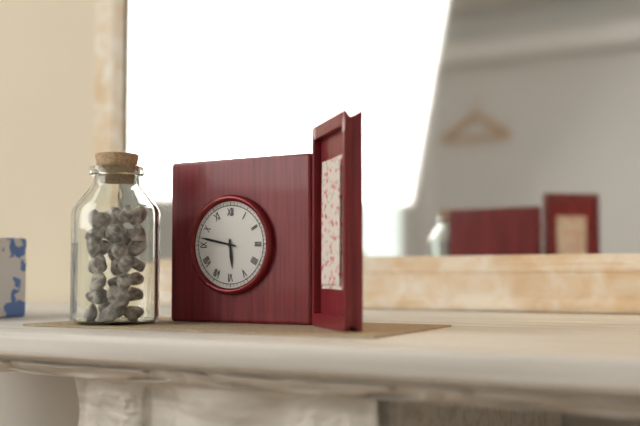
{"hour": 5, "minute": 47}
